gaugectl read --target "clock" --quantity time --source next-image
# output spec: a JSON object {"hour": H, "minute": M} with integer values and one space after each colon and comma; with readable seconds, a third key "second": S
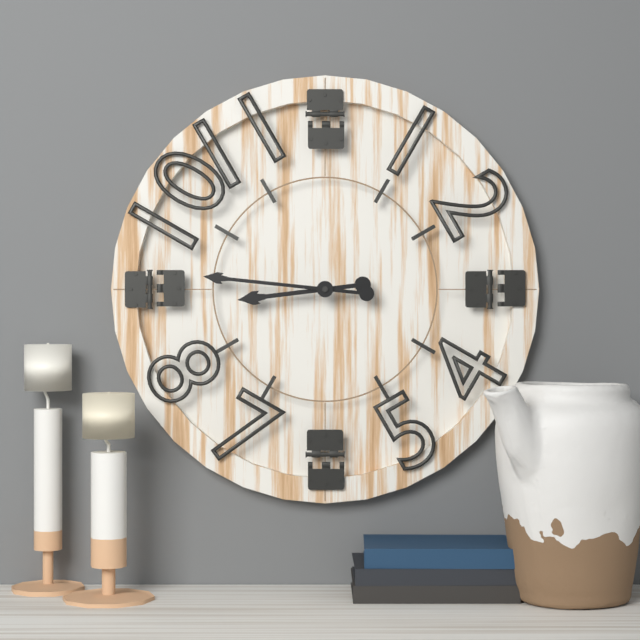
{"hour": 8, "minute": 46}
